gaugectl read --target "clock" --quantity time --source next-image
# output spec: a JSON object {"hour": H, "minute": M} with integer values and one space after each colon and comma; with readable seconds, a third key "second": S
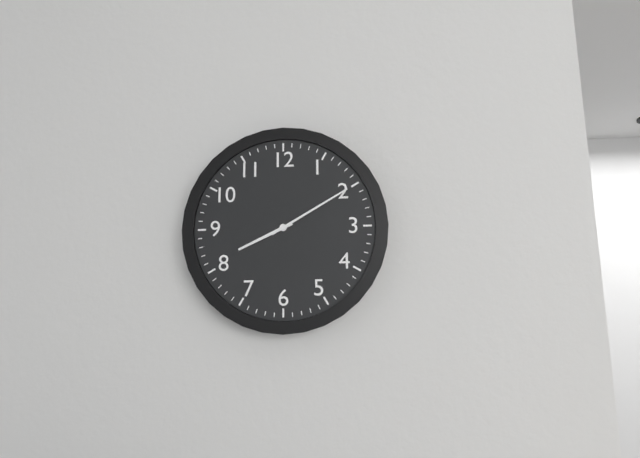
{"hour": 8, "minute": 10}
